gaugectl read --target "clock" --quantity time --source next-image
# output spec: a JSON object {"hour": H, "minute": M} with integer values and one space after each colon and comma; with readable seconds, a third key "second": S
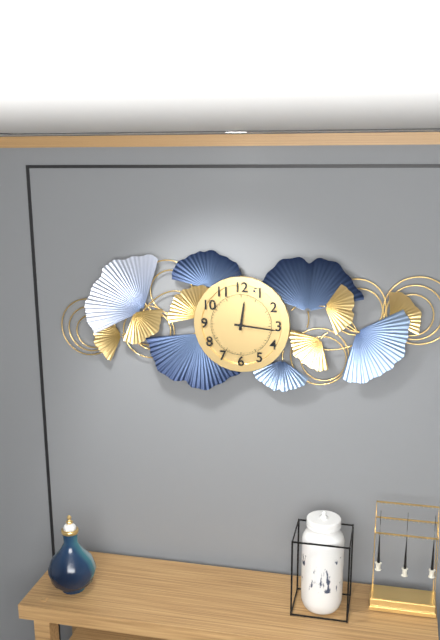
{"hour": 12, "minute": 16}
